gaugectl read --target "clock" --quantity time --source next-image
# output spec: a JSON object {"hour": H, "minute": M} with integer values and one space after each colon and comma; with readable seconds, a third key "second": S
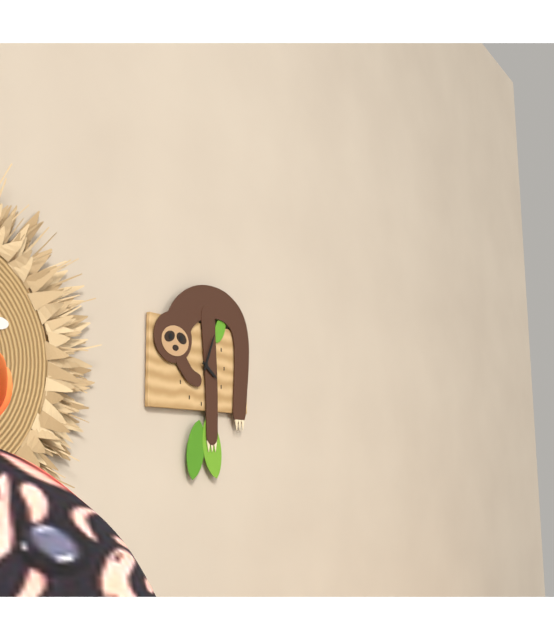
{"hour": 4, "minute": 4}
